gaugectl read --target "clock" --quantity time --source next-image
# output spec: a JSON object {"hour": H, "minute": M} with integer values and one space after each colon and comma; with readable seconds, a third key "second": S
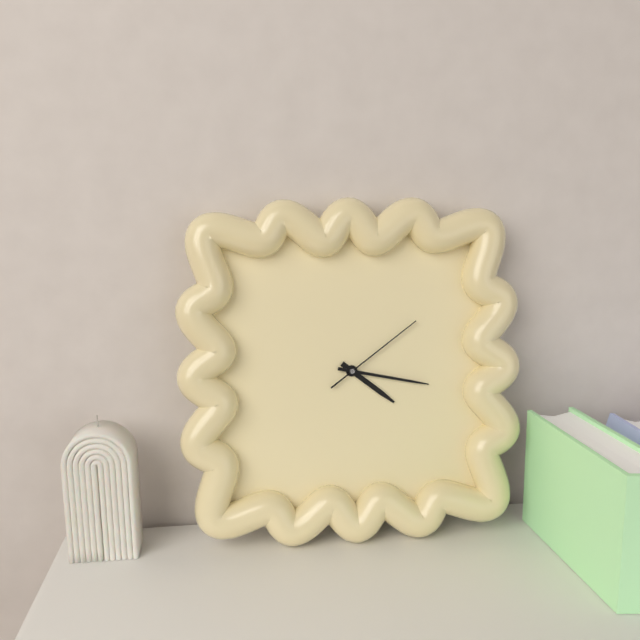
{"hour": 4, "minute": 17, "second": 9}
